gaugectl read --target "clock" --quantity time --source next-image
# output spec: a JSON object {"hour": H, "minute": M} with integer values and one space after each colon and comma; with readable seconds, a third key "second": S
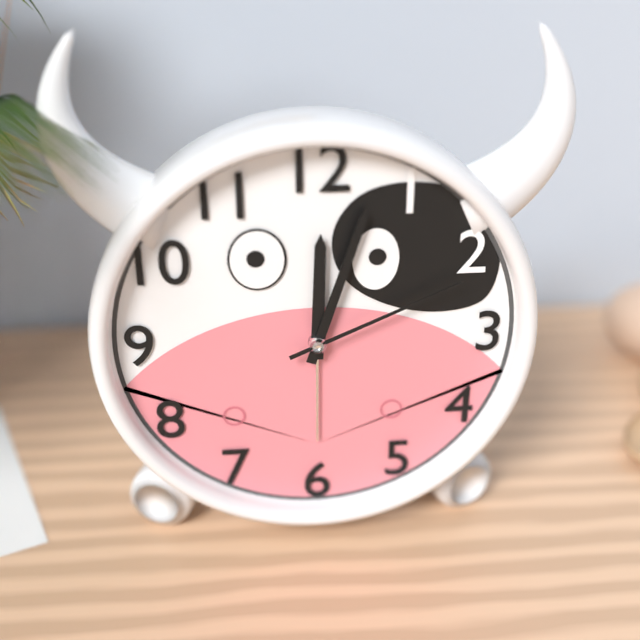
{"hour": 12, "minute": 3, "second": 11}
